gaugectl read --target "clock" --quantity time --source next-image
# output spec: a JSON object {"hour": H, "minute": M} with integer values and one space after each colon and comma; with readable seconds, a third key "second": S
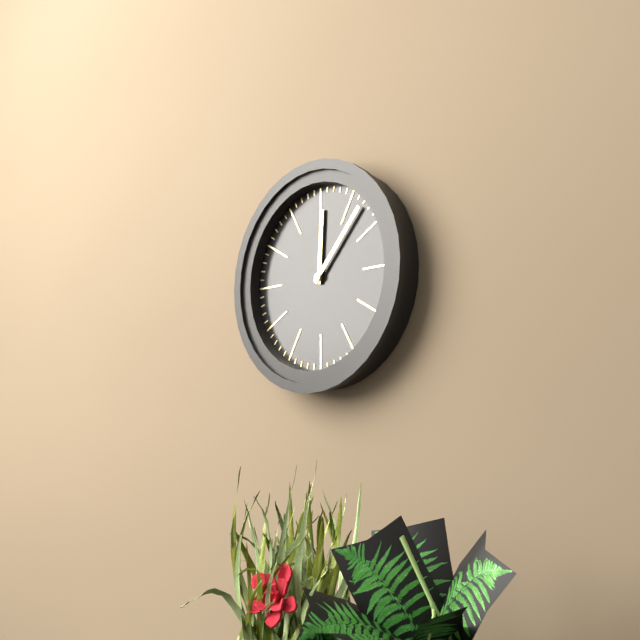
{"hour": 12, "minute": 7}
